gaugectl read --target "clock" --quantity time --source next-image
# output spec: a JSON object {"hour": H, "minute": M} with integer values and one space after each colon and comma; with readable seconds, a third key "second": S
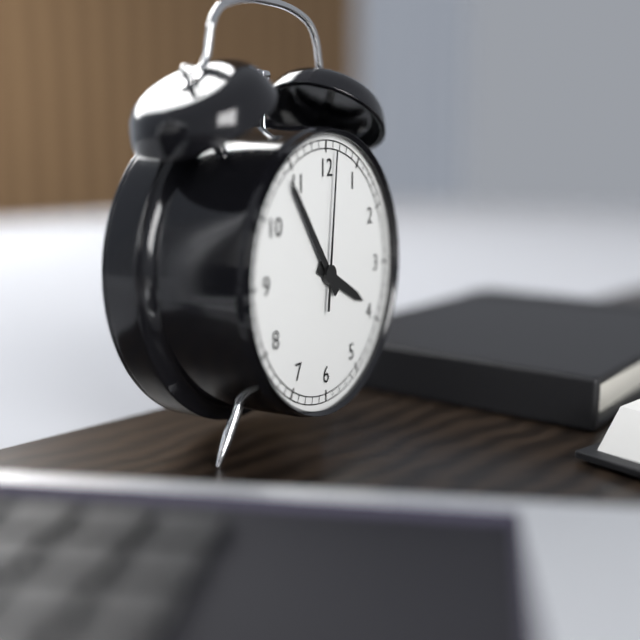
{"hour": 3, "minute": 54, "second": 1}
